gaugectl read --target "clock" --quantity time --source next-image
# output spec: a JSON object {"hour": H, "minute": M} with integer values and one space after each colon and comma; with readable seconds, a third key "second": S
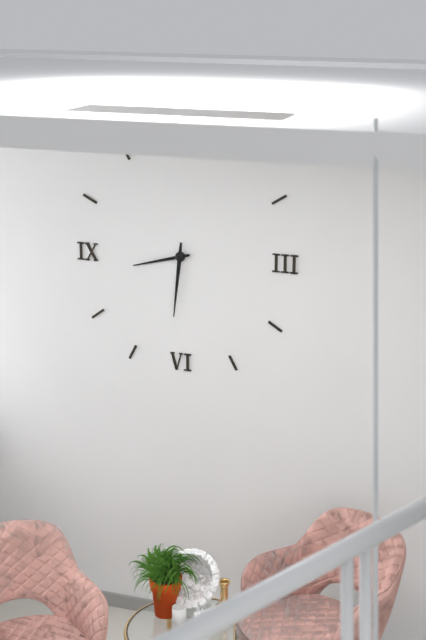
{"hour": 8, "minute": 31}
